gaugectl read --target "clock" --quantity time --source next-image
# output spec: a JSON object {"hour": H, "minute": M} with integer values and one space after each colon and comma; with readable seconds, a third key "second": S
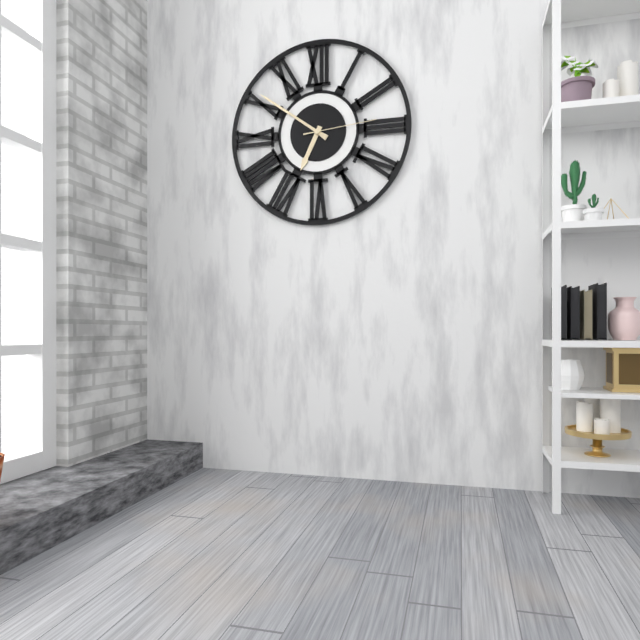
{"hour": 6, "minute": 51, "second": 14}
